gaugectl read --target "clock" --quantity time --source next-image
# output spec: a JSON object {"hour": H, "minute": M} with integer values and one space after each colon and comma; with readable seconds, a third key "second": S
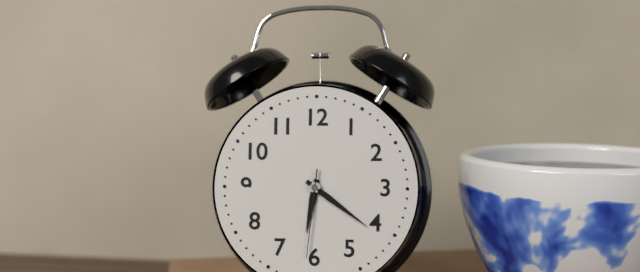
{"hour": 6, "minute": 21, "second": 31}
